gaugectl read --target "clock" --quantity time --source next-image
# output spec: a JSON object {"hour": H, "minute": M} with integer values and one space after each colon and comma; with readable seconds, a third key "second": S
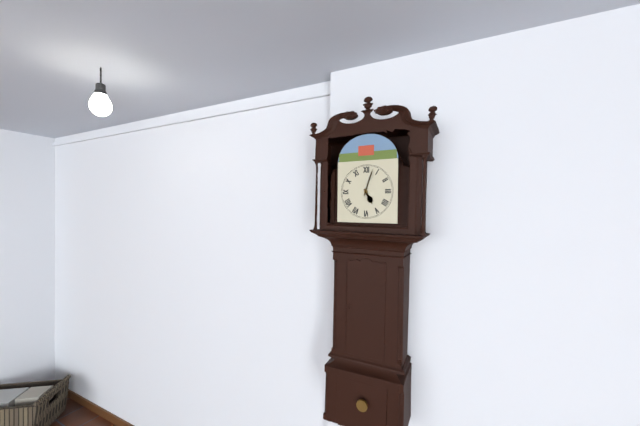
{"hour": 5, "minute": 3}
